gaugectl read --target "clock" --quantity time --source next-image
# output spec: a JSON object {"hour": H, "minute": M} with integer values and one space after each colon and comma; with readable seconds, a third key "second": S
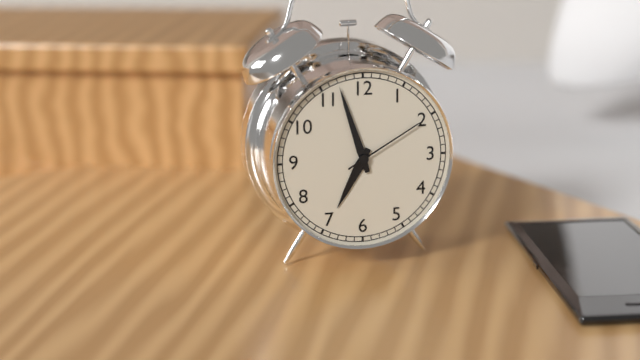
{"hour": 6, "minute": 57, "second": 10}
